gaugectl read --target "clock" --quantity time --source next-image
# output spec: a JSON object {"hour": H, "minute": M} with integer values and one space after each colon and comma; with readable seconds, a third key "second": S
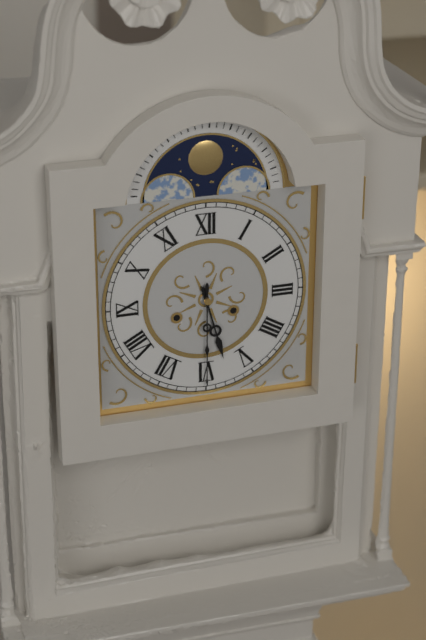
{"hour": 5, "minute": 30}
